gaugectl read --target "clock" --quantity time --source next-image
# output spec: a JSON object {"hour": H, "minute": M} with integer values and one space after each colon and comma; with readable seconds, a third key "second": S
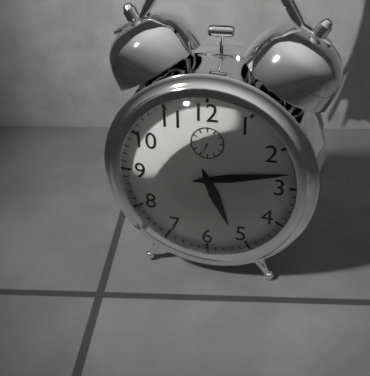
{"hour": 5, "minute": 13}
